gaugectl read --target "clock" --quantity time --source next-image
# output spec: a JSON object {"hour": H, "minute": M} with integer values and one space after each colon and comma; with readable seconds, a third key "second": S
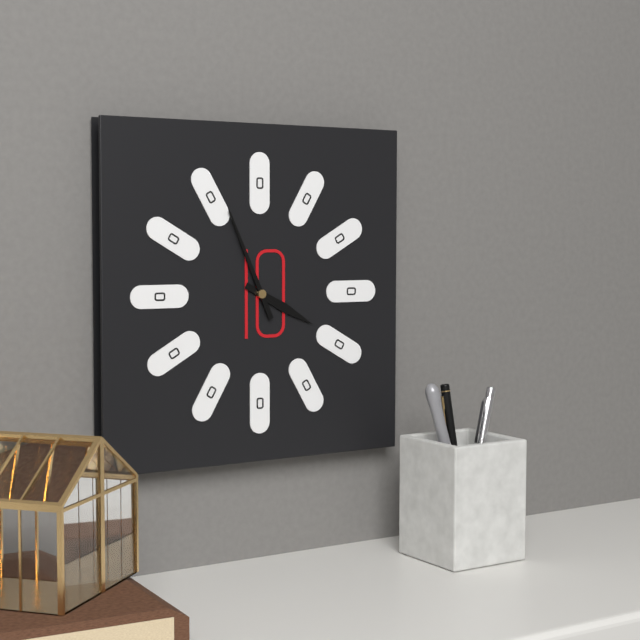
{"hour": 3, "minute": 56}
